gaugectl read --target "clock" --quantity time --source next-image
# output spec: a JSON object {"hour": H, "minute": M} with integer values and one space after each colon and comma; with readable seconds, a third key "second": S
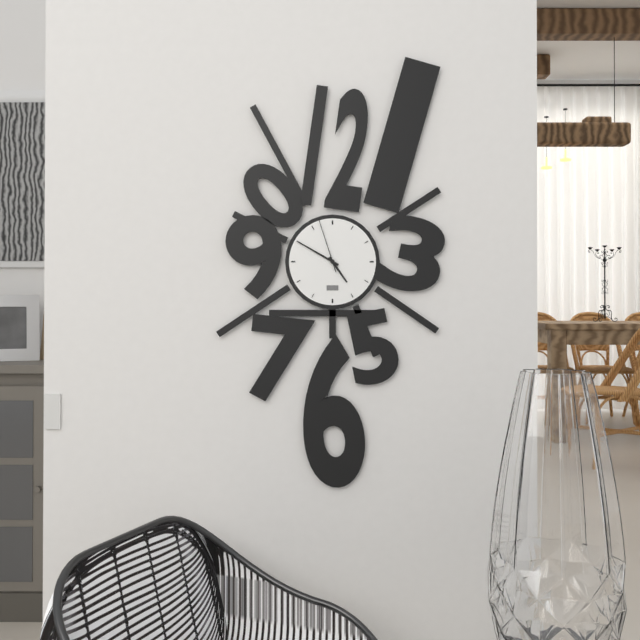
{"hour": 4, "minute": 50, "second": 57}
